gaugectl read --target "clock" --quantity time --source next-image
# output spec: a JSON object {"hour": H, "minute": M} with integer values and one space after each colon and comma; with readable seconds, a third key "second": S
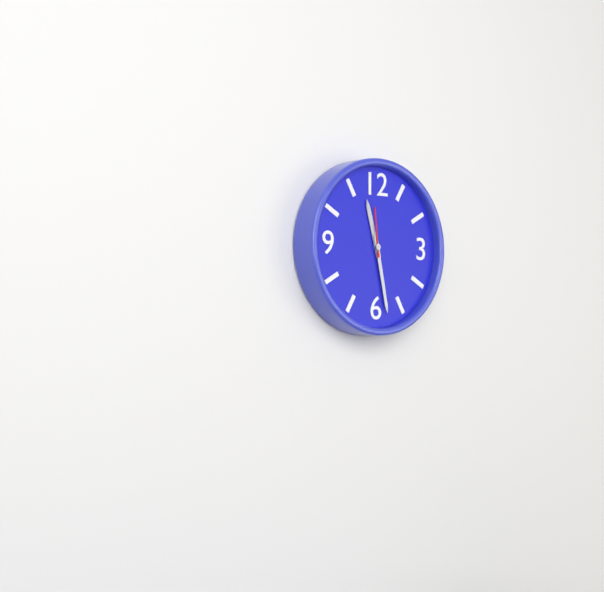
{"hour": 11, "minute": 28, "second": 59}
